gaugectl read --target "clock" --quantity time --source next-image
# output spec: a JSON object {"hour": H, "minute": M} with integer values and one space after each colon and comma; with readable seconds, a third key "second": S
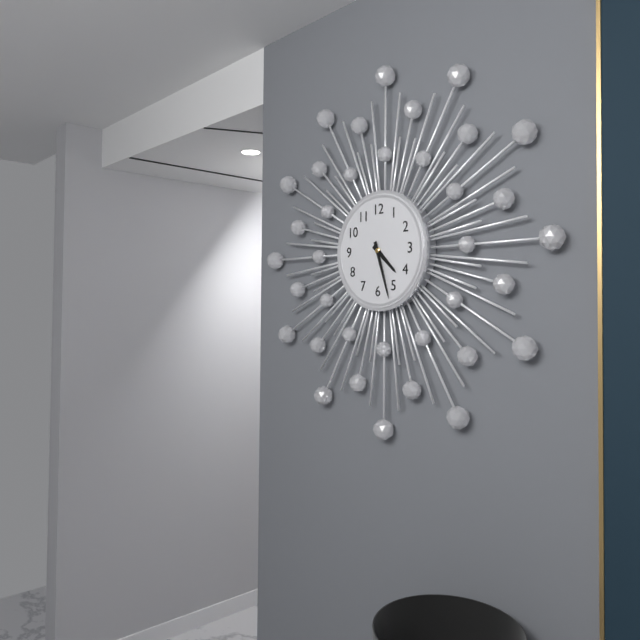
{"hour": 4, "minute": 27}
